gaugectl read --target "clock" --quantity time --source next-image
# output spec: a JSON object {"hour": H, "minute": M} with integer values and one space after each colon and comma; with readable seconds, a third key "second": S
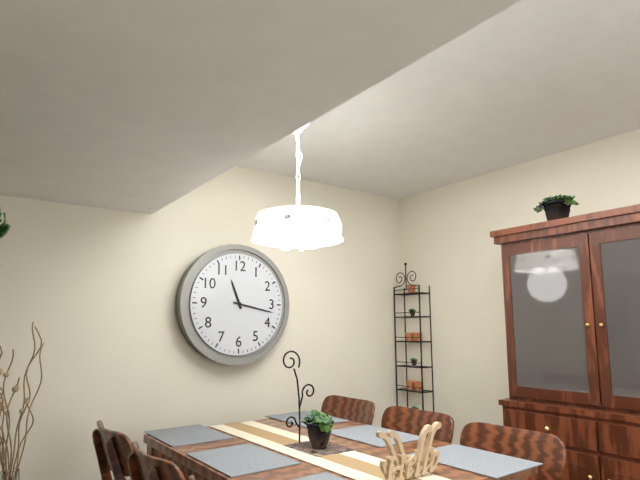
{"hour": 11, "minute": 17}
